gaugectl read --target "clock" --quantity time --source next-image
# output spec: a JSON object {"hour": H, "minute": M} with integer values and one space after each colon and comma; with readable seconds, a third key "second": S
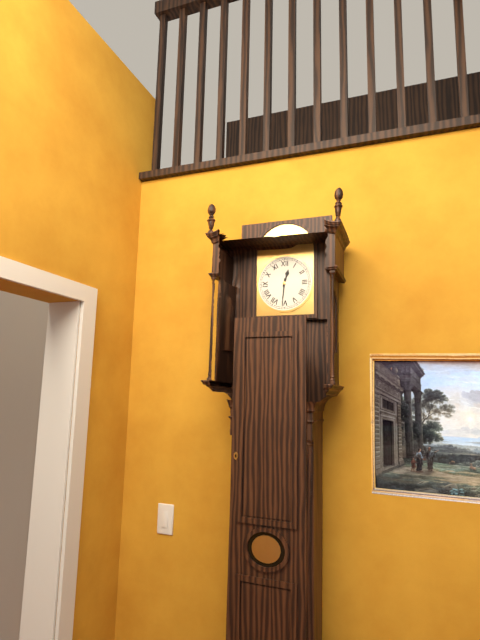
{"hour": 12, "minute": 31}
